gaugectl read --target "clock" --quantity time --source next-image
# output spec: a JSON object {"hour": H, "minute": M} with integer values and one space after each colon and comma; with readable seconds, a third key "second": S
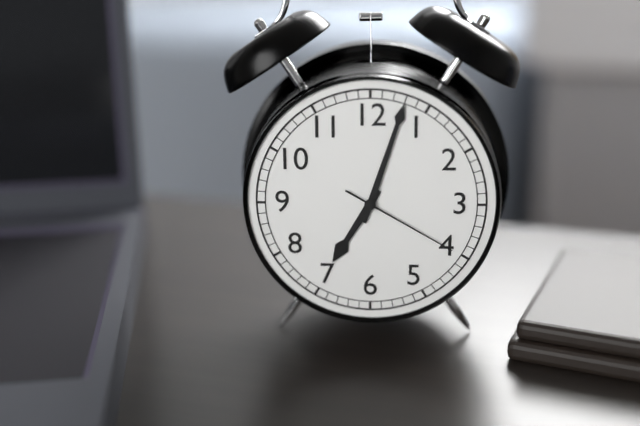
{"hour": 7, "minute": 3, "second": 20}
